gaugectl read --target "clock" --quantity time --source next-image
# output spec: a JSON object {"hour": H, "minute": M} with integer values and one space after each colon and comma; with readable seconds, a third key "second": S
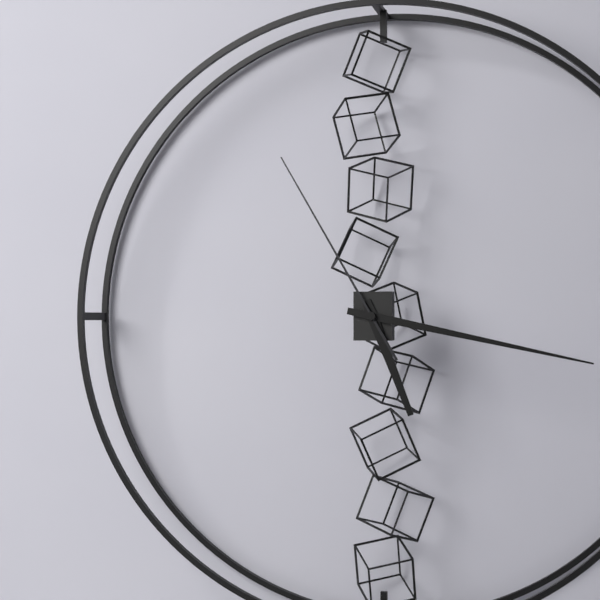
{"hour": 5, "minute": 17, "second": 55}
